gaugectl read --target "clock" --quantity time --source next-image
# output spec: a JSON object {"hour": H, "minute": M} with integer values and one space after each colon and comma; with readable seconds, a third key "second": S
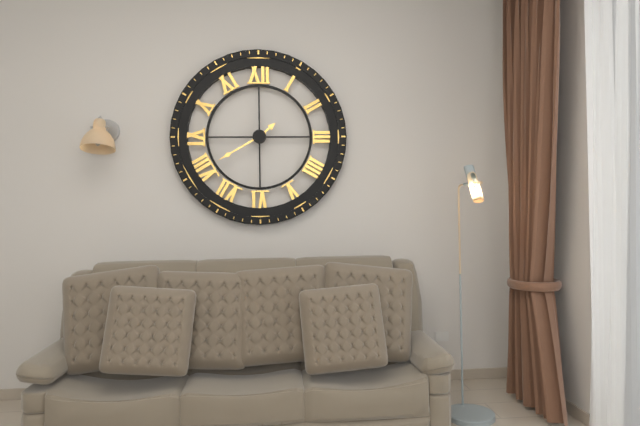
{"hour": 1, "minute": 40}
